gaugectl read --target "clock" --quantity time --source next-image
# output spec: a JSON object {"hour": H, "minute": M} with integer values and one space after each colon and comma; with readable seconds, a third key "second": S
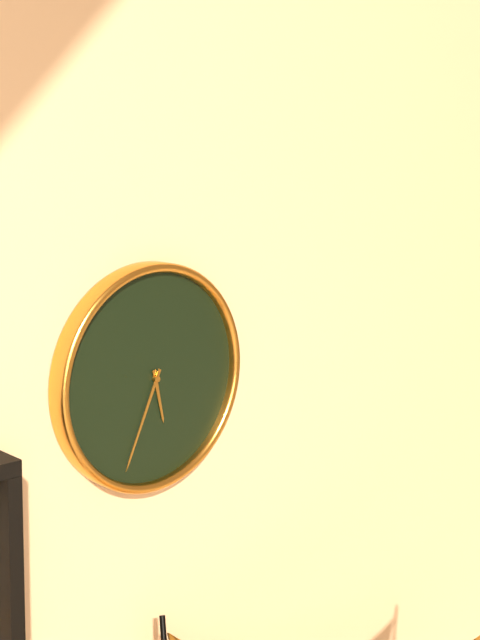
{"hour": 5, "minute": 34}
